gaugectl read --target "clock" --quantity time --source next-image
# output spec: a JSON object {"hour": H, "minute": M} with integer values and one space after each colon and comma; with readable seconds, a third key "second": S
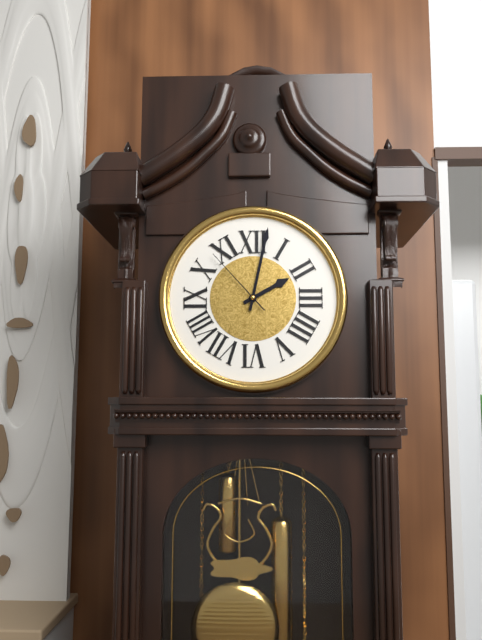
{"hour": 2, "minute": 2, "second": 53}
